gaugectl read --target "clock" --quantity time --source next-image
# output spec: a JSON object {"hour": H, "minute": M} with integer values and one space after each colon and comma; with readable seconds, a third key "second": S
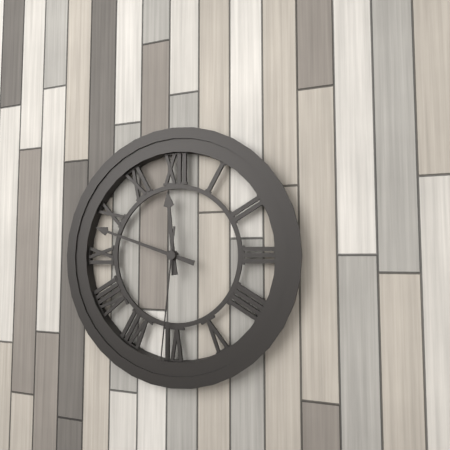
{"hour": 11, "minute": 48, "second": 31}
